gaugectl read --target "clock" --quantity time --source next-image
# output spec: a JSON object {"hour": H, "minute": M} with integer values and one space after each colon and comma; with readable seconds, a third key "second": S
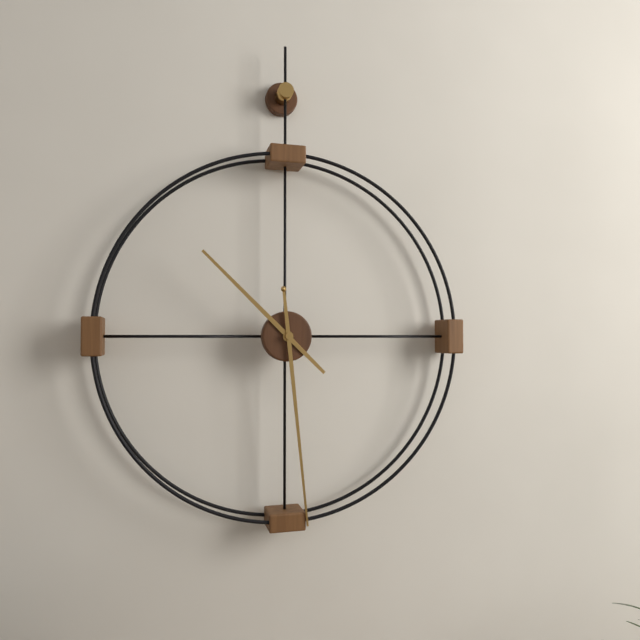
{"hour": 10, "minute": 29}
